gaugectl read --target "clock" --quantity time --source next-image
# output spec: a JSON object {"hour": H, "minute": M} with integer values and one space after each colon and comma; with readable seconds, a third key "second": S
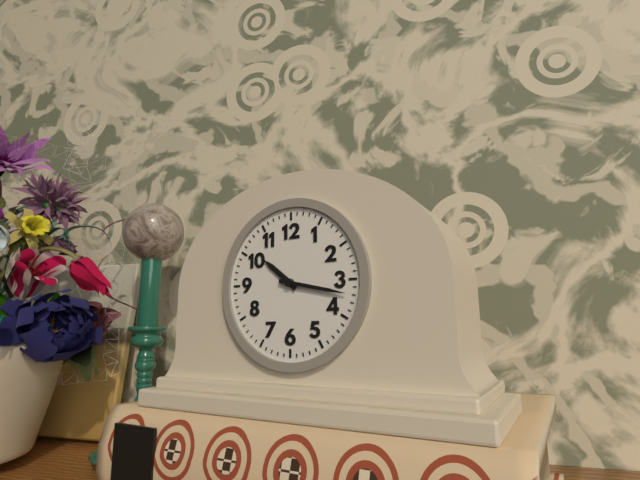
{"hour": 10, "minute": 17}
